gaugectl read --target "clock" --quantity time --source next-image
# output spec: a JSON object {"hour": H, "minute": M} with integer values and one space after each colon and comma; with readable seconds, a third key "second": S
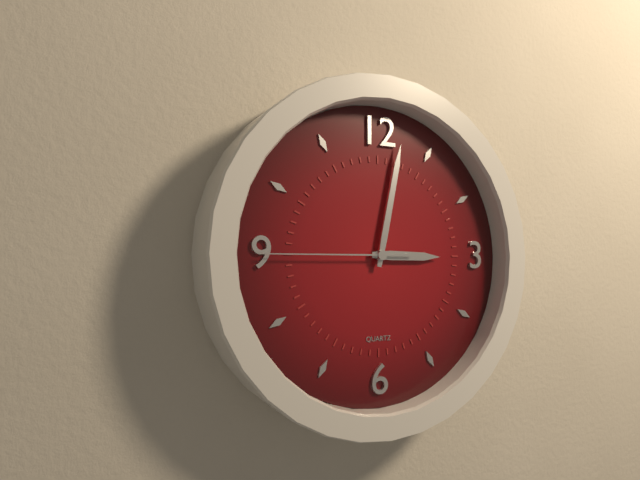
{"hour": 3, "minute": 2, "second": 45}
